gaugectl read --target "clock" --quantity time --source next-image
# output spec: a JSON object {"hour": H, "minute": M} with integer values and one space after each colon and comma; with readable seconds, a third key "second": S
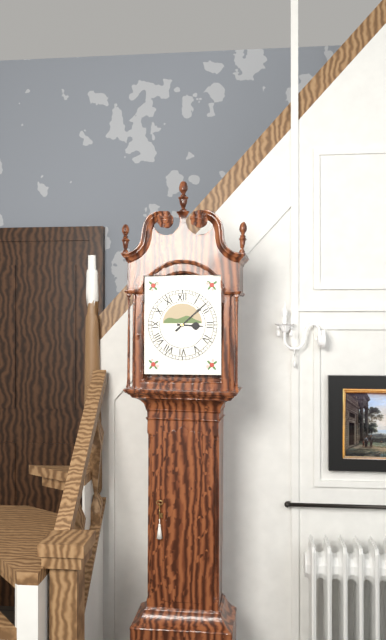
{"hour": 3, "minute": 8}
